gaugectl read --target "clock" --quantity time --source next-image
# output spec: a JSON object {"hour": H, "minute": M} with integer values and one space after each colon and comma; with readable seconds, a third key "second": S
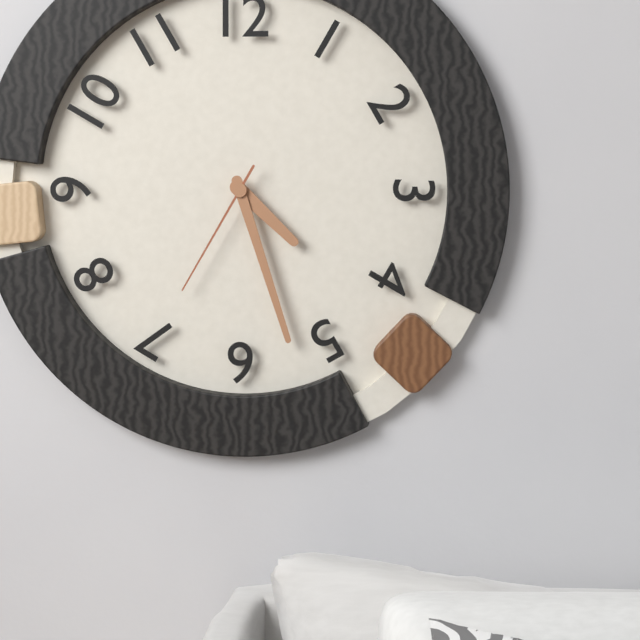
{"hour": 4, "minute": 27, "second": 35}
